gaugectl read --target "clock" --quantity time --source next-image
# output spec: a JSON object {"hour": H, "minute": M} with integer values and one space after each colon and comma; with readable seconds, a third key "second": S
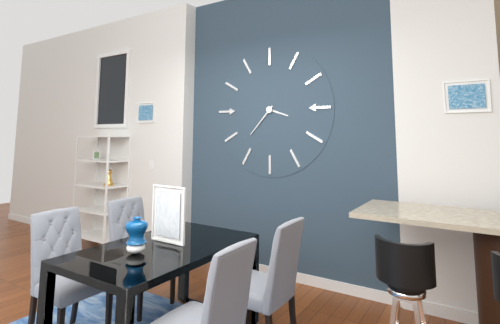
{"hour": 3, "minute": 37}
